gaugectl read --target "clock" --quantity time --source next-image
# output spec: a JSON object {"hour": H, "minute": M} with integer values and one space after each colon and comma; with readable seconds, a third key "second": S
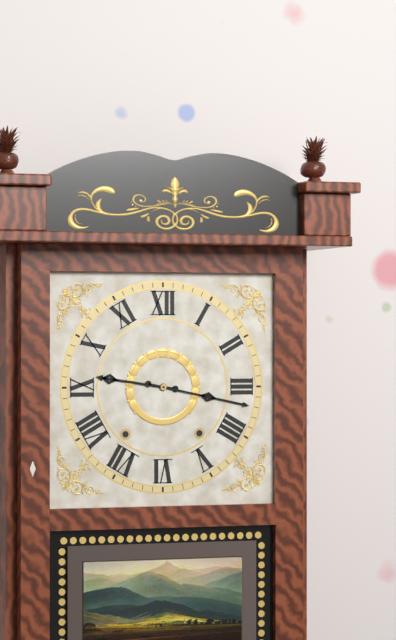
{"hour": 9, "minute": 17}
